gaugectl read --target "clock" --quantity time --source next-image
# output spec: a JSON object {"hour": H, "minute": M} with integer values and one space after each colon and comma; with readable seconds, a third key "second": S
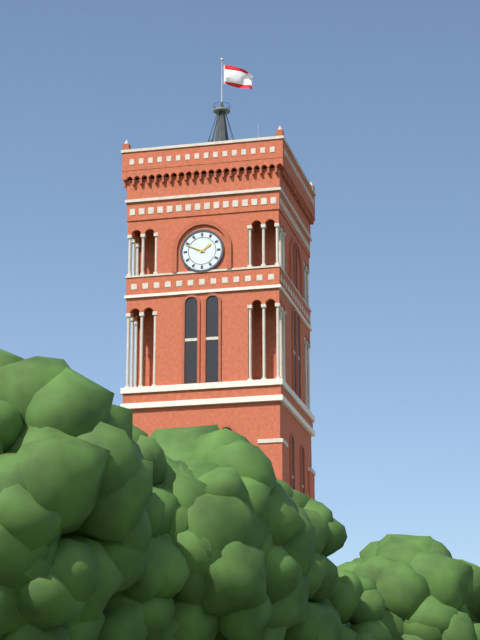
{"hour": 1, "minute": 49}
